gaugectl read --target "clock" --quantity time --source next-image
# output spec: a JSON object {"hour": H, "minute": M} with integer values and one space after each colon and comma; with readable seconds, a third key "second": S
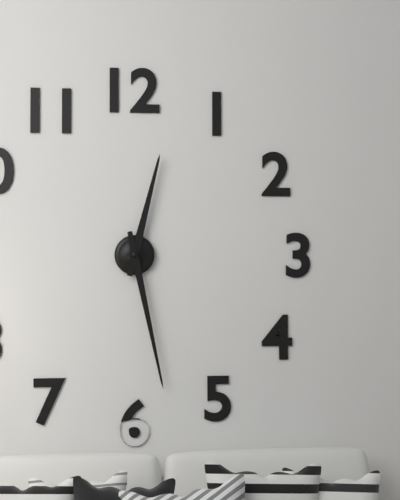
{"hour": 12, "minute": 28}
